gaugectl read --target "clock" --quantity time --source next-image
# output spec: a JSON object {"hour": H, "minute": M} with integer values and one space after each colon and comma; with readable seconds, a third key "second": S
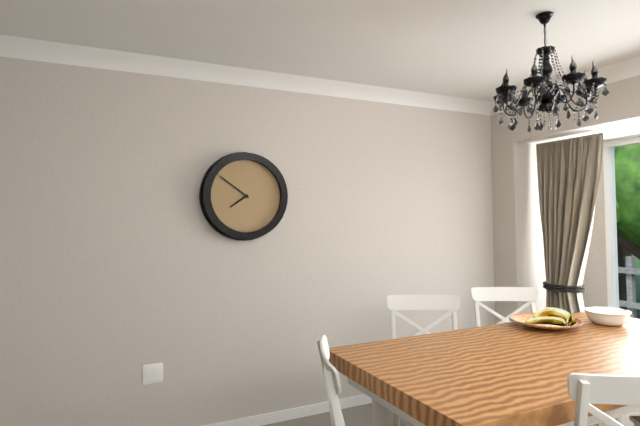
{"hour": 7, "minute": 51}
